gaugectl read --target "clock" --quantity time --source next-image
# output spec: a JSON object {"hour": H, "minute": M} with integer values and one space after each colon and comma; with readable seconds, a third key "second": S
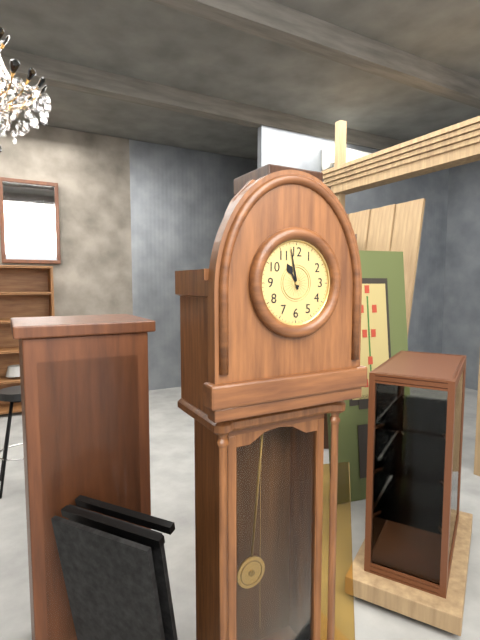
{"hour": 10, "minute": 58}
